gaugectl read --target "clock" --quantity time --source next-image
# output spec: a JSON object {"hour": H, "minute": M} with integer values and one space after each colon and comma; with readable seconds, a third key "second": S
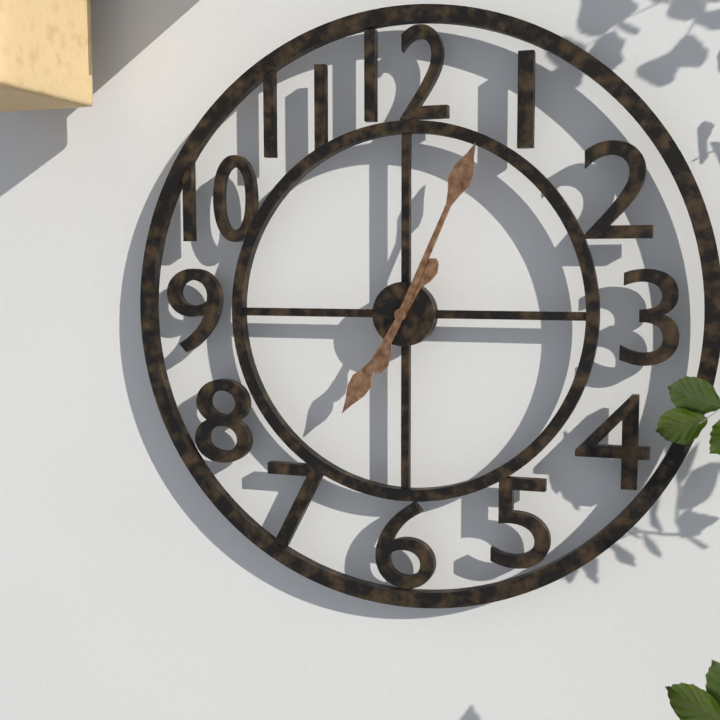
{"hour": 7, "minute": 4}
